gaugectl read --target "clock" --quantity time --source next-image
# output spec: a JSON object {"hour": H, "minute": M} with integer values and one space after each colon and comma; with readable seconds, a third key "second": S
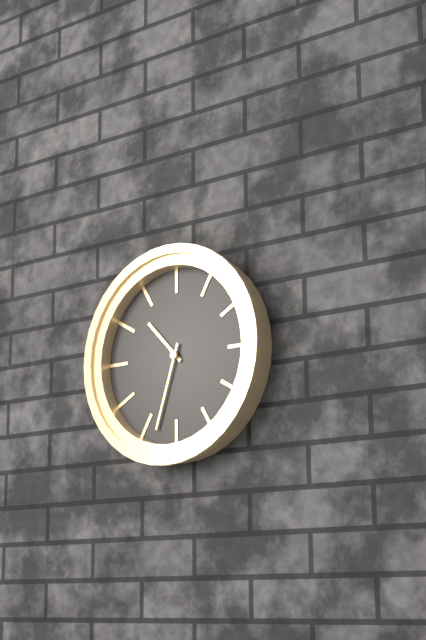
{"hour": 10, "minute": 33}
